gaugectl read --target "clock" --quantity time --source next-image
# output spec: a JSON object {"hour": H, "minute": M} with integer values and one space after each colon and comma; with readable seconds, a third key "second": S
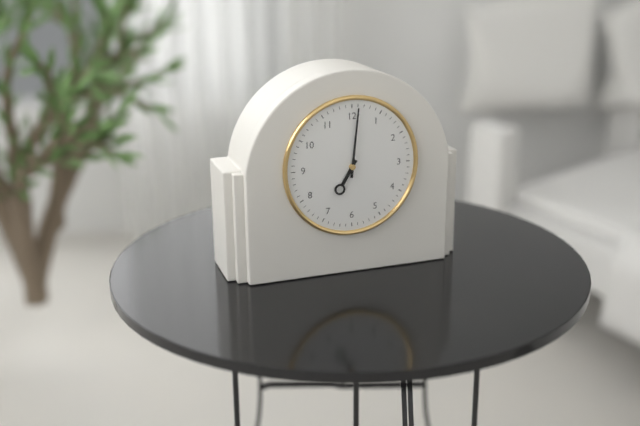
{"hour": 7, "minute": 1}
